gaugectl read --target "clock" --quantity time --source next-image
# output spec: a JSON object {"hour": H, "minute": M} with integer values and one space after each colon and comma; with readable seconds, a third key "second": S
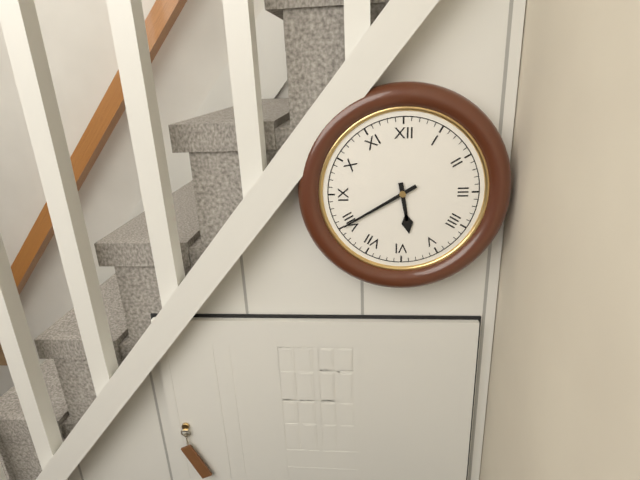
{"hour": 5, "minute": 40}
